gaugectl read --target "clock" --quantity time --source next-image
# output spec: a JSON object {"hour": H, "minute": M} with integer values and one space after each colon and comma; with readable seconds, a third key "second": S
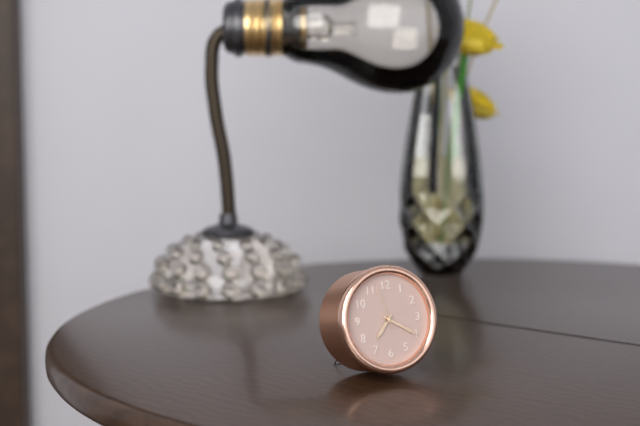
{"hour": 7, "minute": 20}
